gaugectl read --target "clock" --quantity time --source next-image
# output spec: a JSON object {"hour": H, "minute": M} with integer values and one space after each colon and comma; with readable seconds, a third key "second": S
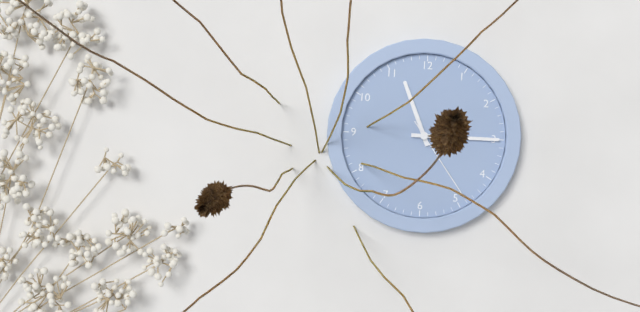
{"hour": 11, "minute": 15, "second": 24}
